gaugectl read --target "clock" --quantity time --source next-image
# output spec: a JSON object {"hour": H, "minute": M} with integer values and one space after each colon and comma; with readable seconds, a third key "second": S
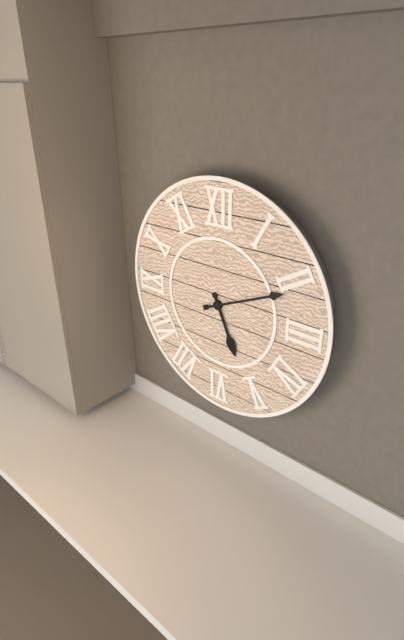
{"hour": 5, "minute": 11}
